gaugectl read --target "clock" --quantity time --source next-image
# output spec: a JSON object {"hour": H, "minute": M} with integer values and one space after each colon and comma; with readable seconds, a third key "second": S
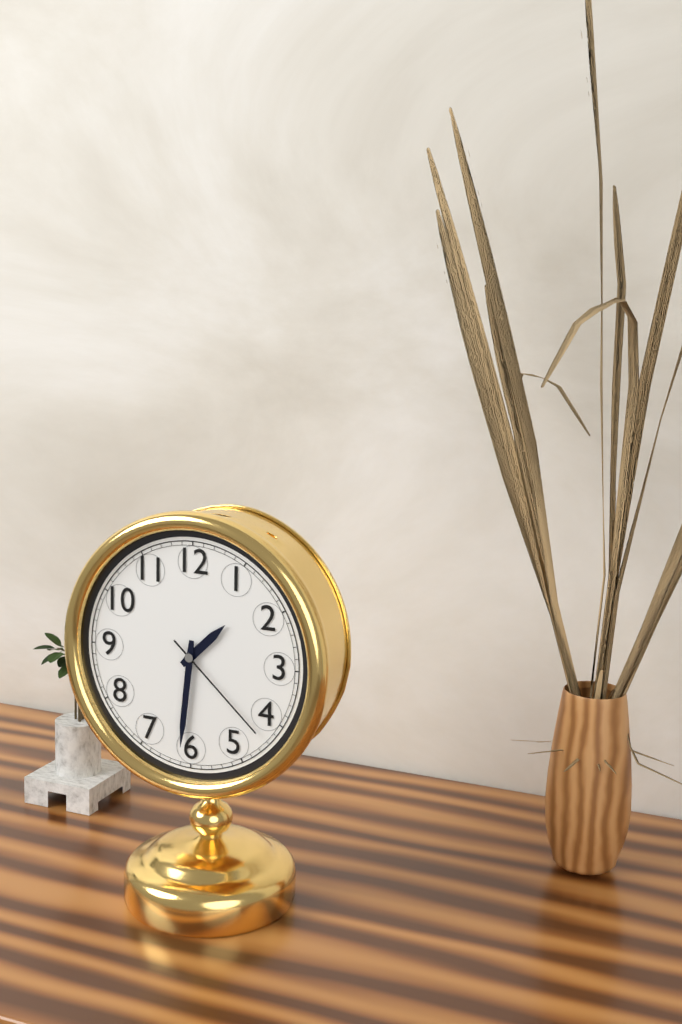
{"hour": 1, "minute": 31, "second": 22}
